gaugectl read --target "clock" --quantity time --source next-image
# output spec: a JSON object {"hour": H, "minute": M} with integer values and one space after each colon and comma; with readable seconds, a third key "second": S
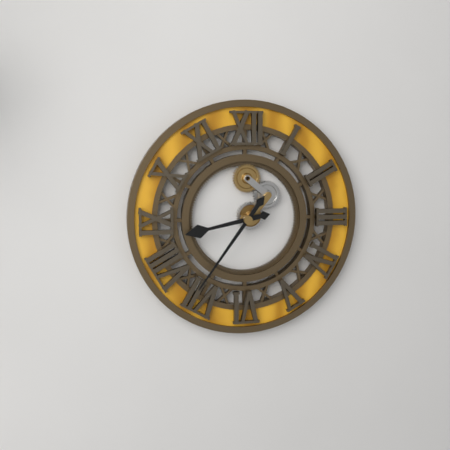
{"hour": 8, "minute": 36}
